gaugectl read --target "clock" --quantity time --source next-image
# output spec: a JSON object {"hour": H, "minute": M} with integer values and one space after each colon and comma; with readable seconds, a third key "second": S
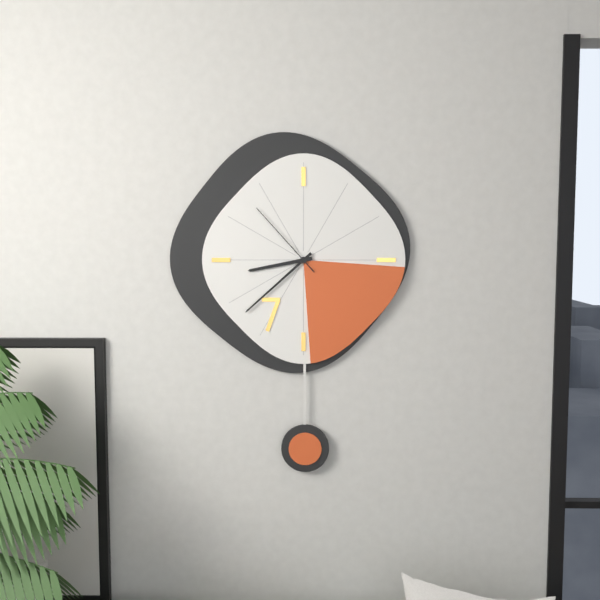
{"hour": 8, "minute": 38, "second": 53}
